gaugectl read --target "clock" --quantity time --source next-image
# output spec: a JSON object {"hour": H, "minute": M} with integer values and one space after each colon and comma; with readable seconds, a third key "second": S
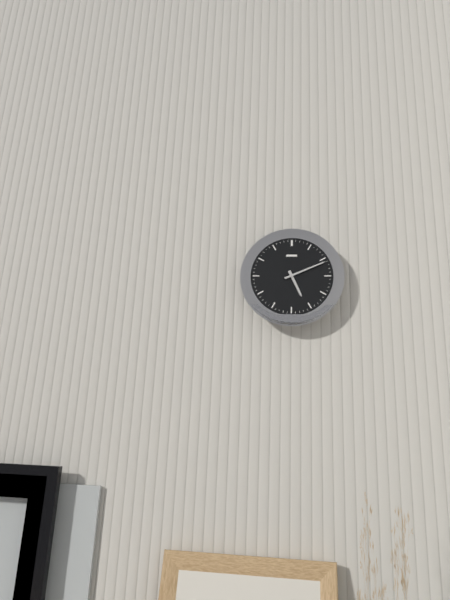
{"hour": 5, "minute": 11}
